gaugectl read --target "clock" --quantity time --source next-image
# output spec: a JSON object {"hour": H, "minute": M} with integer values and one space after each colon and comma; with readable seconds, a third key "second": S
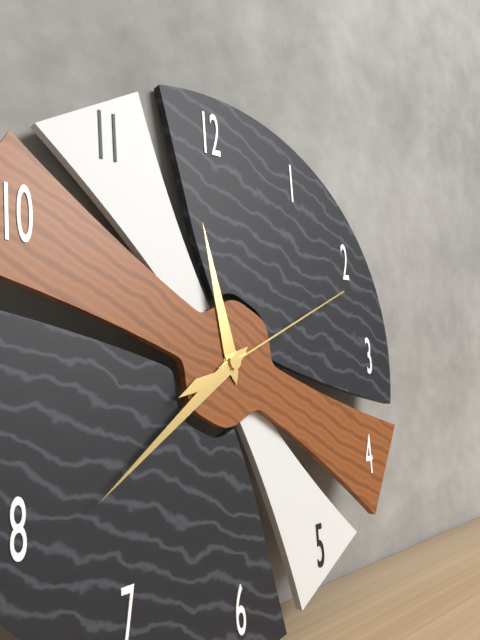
{"hour": 11, "minute": 39, "second": 11}
